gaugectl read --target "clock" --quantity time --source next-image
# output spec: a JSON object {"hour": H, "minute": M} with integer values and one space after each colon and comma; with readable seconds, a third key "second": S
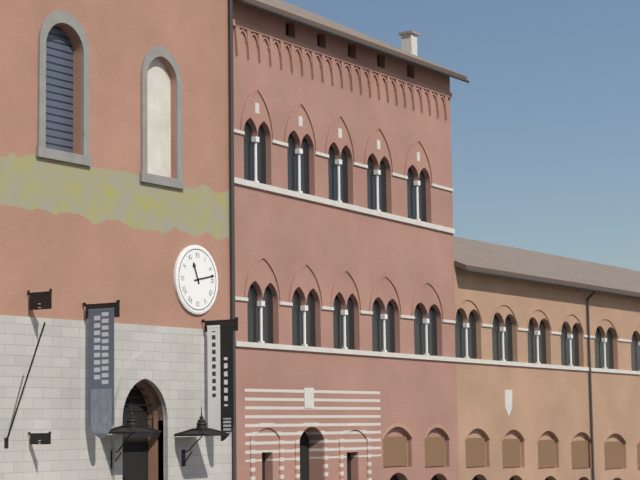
{"hour": 11, "minute": 13}
